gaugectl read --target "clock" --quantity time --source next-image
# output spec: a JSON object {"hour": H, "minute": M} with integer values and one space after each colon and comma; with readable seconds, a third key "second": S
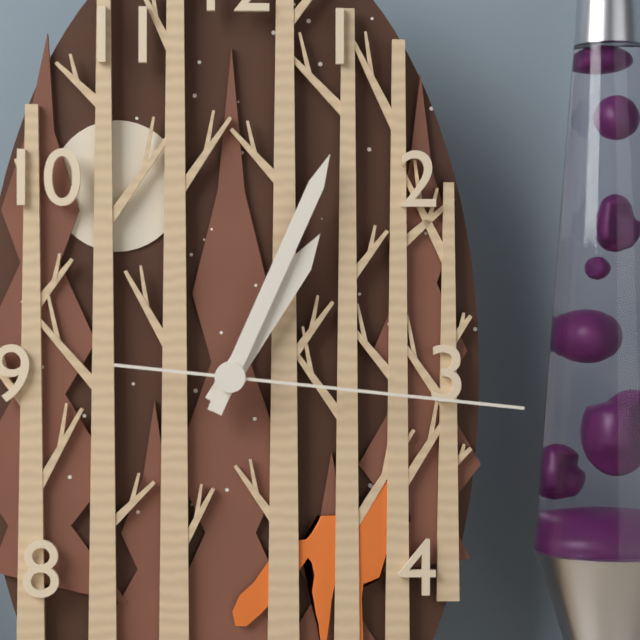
{"hour": 1, "minute": 4, "second": 16}
